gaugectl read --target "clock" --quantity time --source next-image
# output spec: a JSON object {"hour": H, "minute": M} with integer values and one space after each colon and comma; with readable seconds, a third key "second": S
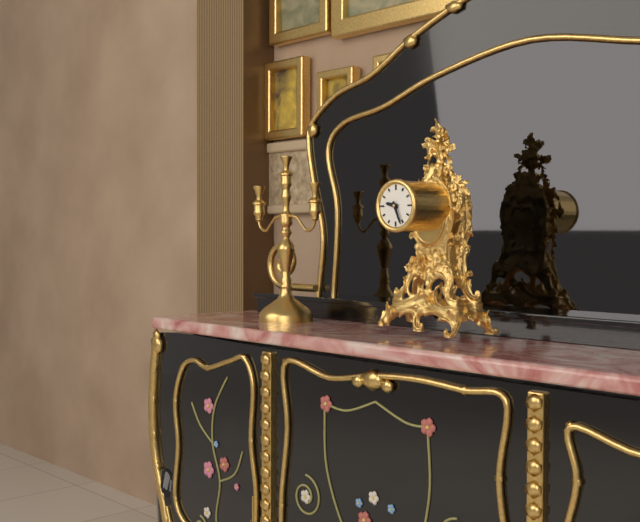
{"hour": 9, "minute": 26}
